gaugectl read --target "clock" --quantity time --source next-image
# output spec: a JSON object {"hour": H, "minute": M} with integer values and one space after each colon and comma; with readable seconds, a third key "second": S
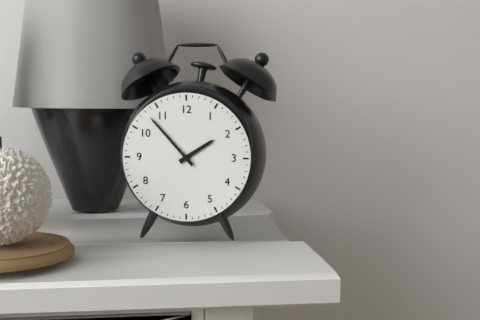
{"hour": 1, "minute": 53}
